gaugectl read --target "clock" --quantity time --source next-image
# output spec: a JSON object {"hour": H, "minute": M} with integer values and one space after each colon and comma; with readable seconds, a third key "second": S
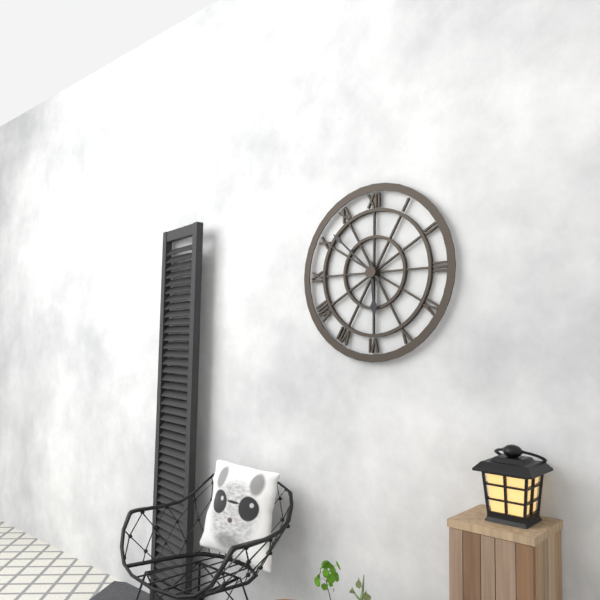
{"hour": 5, "minute": 52}
